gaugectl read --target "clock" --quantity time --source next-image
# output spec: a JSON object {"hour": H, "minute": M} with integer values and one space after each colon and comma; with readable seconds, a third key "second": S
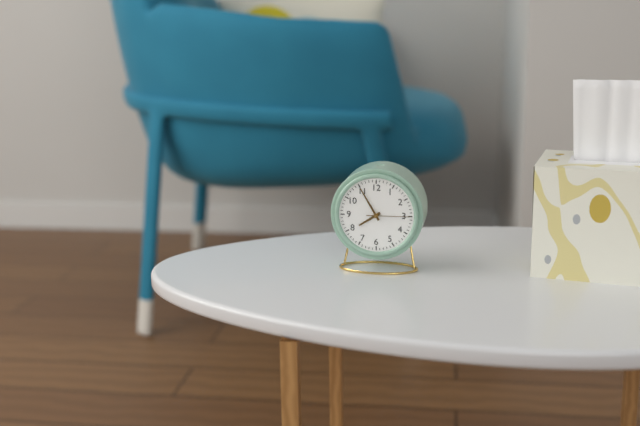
{"hour": 7, "minute": 55}
